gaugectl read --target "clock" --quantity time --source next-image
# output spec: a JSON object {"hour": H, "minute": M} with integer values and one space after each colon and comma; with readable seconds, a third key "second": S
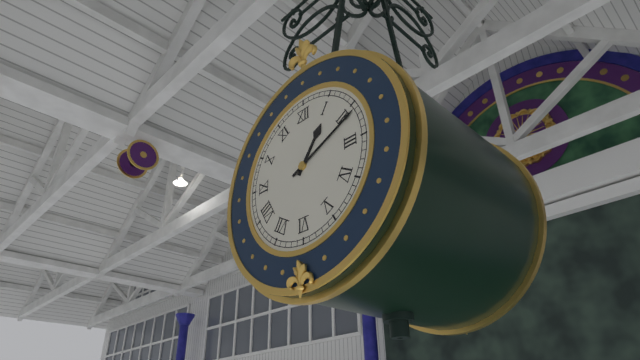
{"hour": 1, "minute": 11}
